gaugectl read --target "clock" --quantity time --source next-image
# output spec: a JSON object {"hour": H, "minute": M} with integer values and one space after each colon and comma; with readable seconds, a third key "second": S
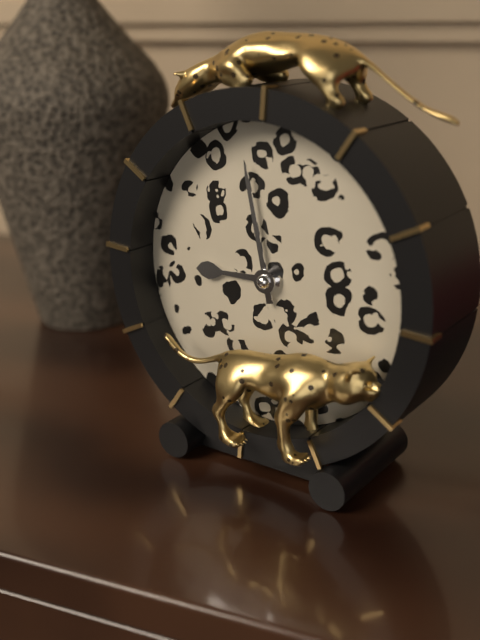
{"hour": 8, "minute": 58}
